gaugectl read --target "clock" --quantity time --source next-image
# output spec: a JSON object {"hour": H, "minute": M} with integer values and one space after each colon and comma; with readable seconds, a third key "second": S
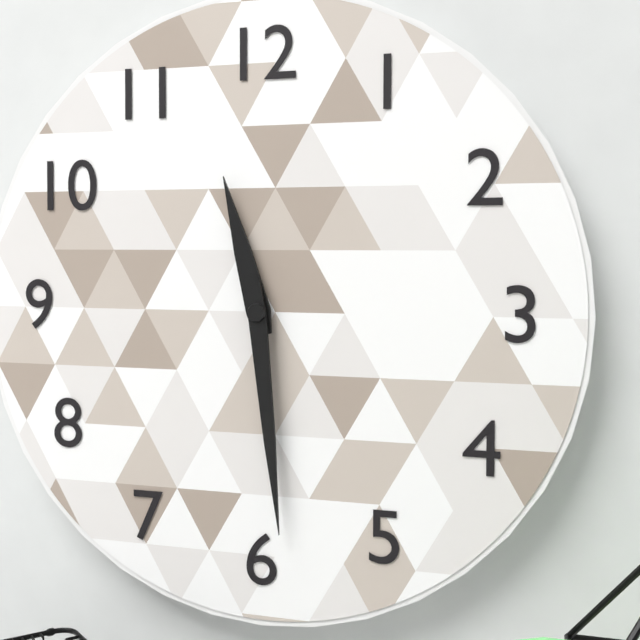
{"hour": 11, "minute": 29}
